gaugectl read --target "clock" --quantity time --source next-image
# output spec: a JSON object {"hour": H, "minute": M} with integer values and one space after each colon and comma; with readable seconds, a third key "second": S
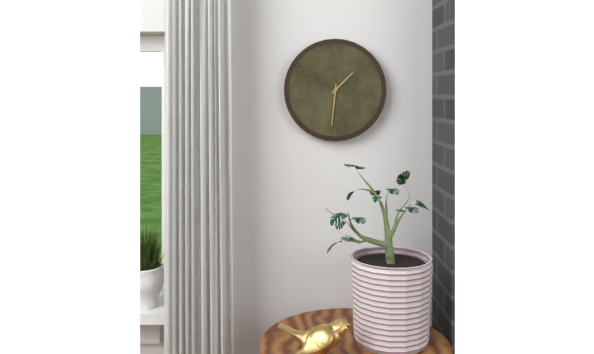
{"hour": 1, "minute": 31}
